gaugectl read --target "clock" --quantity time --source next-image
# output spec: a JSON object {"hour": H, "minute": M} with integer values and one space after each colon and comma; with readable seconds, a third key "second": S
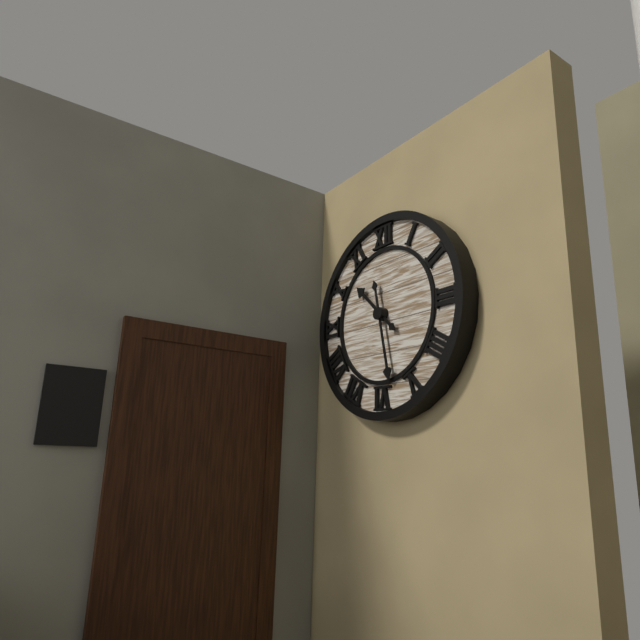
{"hour": 10, "minute": 28}
